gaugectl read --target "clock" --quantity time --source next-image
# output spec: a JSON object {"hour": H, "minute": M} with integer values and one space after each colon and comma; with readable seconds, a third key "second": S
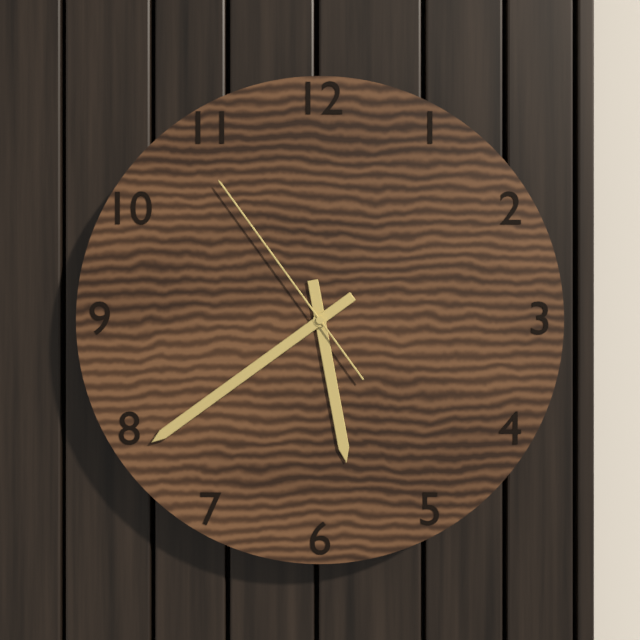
{"hour": 5, "minute": 39, "second": 54}
